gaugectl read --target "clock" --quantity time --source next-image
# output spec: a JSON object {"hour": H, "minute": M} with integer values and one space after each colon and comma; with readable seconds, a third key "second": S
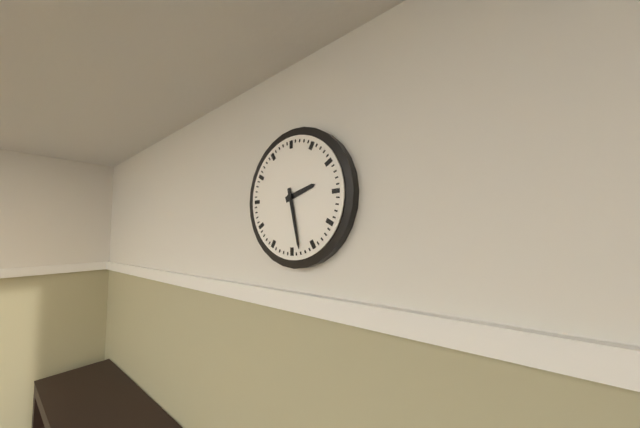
{"hour": 2, "minute": 28}
